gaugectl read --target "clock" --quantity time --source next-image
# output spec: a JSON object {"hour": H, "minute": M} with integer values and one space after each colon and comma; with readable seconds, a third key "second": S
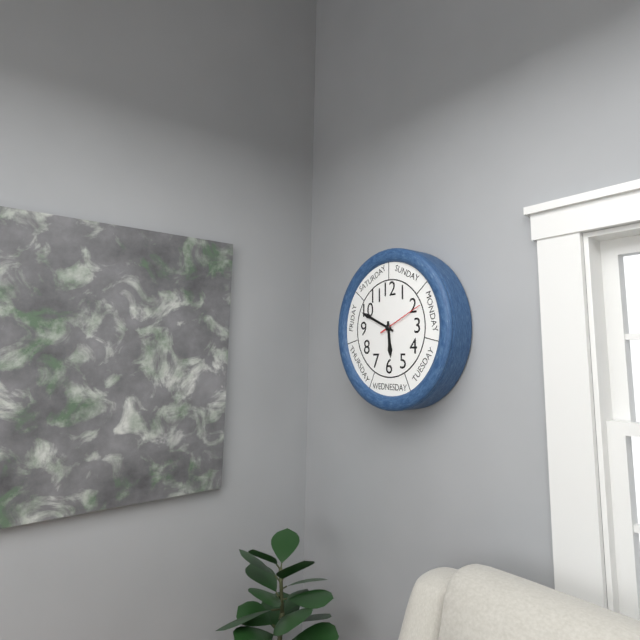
{"hour": 5, "minute": 49}
